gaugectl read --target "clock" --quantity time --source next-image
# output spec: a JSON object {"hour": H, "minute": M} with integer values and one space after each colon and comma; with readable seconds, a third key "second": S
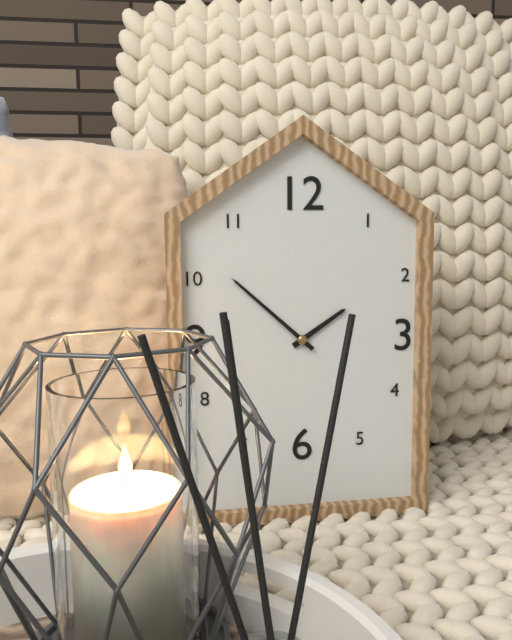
{"hour": 1, "minute": 52}
